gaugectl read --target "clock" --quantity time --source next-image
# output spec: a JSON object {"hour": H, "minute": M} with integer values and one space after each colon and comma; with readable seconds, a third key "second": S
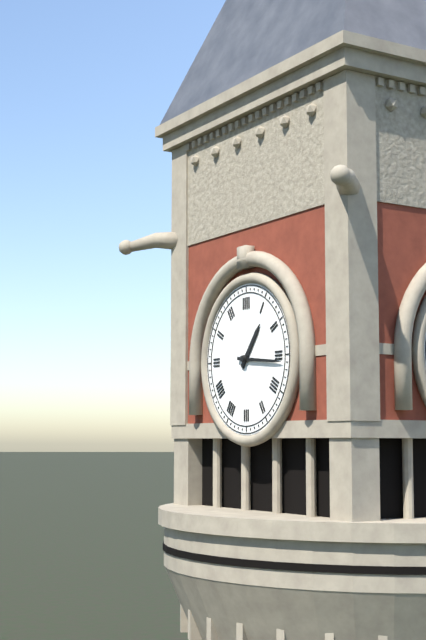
{"hour": 1, "minute": 16}
